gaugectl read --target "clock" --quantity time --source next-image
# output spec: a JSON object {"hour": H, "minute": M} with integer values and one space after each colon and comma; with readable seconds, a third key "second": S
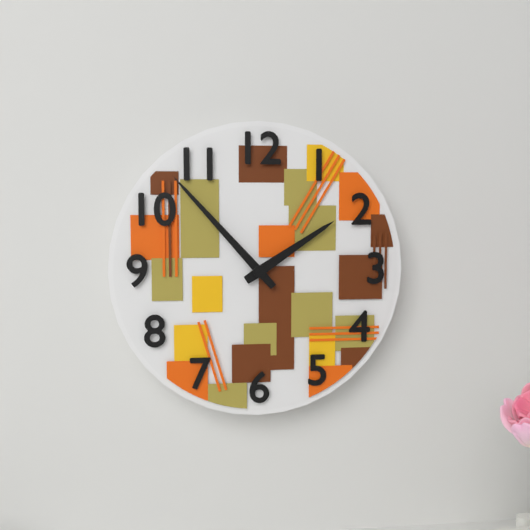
{"hour": 1, "minute": 53}
